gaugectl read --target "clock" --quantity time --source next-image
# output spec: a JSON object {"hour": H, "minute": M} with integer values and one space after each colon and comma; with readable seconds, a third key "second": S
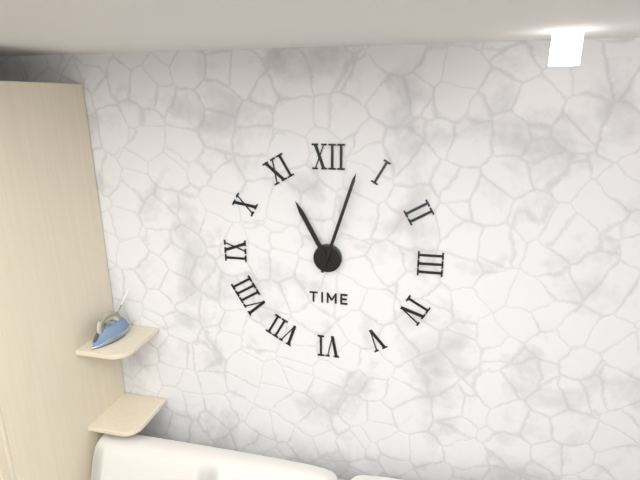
{"hour": 11, "minute": 3}
